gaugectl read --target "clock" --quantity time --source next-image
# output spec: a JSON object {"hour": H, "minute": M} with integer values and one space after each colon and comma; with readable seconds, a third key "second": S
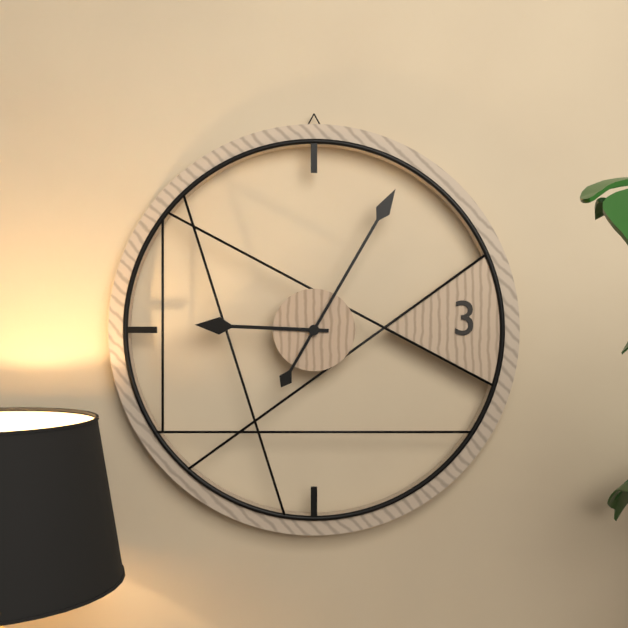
{"hour": 9, "minute": 5}
